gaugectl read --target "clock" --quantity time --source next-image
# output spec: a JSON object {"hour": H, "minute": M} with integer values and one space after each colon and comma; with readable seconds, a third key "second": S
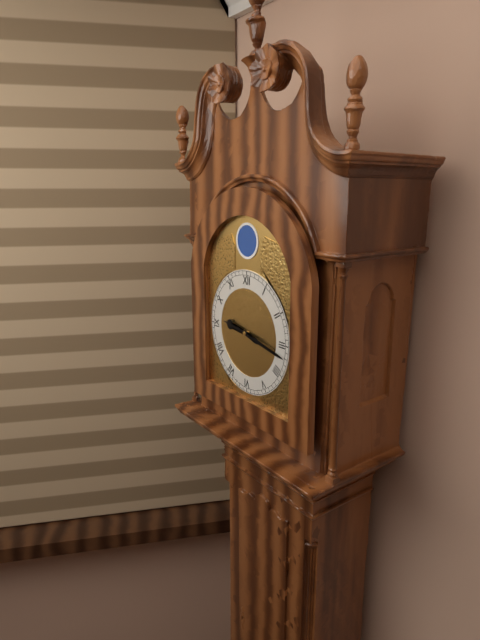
{"hour": 9, "minute": 17}
